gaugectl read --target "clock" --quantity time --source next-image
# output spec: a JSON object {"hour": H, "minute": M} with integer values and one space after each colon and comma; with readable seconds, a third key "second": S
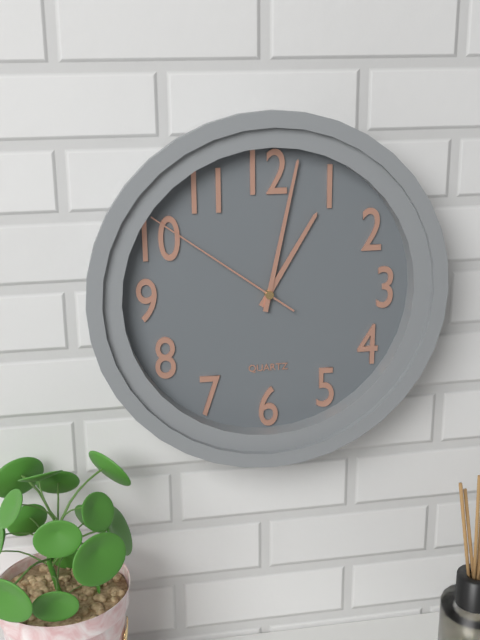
{"hour": 1, "minute": 2, "second": 51}
